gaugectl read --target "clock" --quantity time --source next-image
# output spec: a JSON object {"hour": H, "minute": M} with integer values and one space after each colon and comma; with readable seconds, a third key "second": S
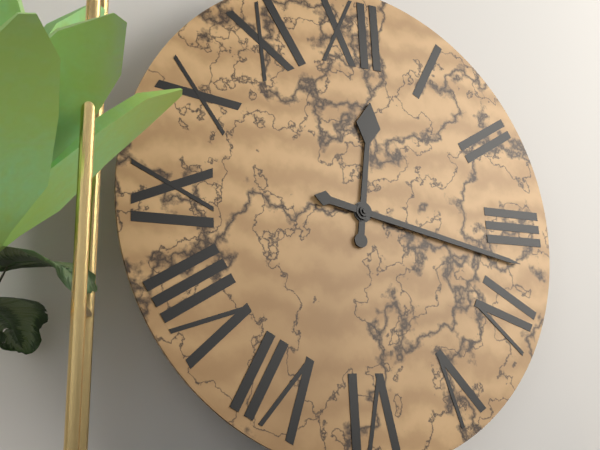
{"hour": 12, "minute": 17}
